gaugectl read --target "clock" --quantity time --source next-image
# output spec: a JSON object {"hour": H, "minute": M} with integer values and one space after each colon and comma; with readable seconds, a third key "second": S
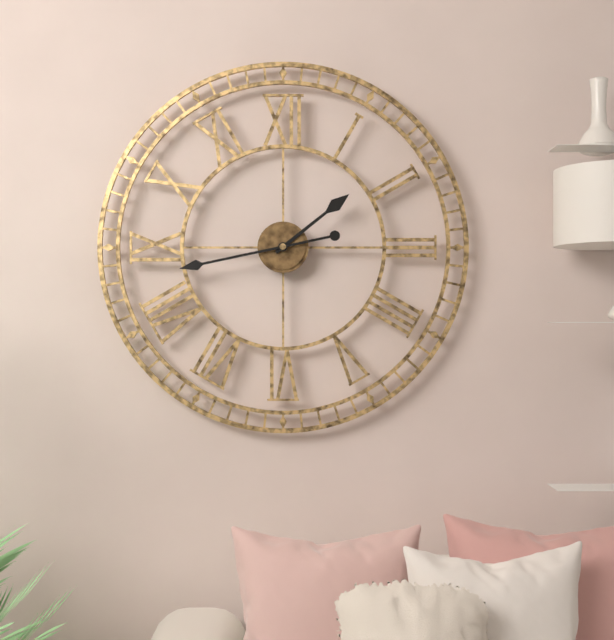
{"hour": 1, "minute": 43}
